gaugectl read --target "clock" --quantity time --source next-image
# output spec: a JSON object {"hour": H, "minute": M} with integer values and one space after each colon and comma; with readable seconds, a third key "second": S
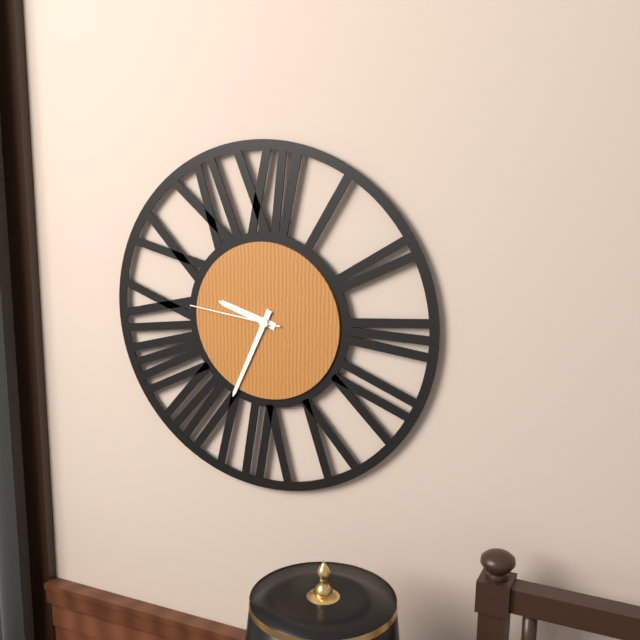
{"hour": 9, "minute": 34, "second": 46}
